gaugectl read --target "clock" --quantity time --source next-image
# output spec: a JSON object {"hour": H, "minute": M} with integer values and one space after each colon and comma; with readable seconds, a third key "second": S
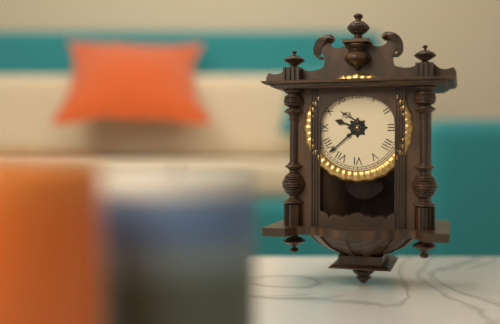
{"hour": 9, "minute": 38}
